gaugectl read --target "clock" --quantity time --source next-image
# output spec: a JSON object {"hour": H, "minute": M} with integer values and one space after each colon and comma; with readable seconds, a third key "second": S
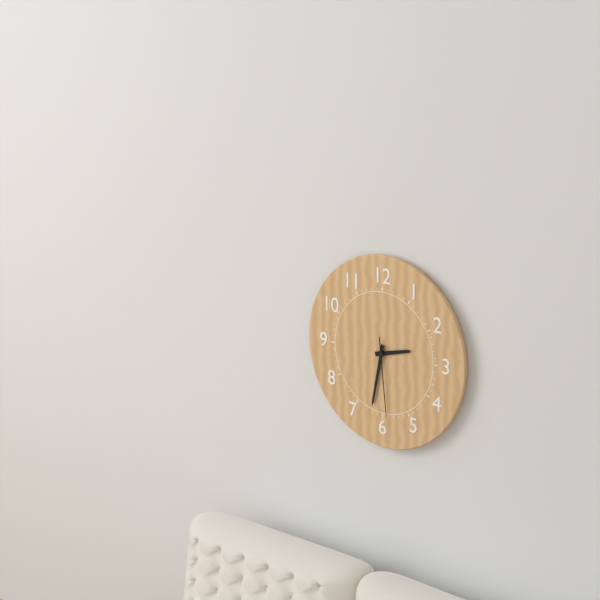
{"hour": 2, "minute": 32, "second": 29}
